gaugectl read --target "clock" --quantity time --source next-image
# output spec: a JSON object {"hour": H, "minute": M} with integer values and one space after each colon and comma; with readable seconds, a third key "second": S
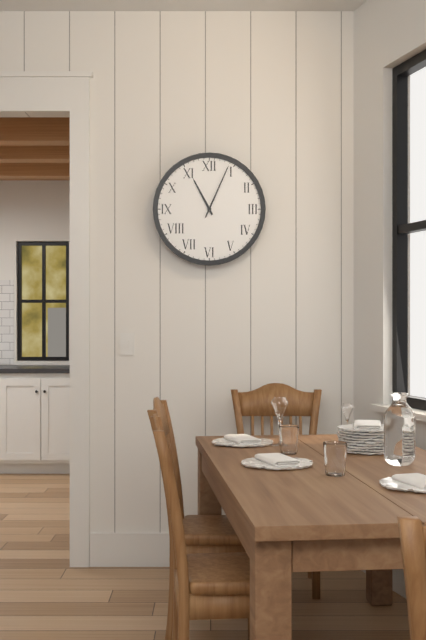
{"hour": 11, "minute": 4}
